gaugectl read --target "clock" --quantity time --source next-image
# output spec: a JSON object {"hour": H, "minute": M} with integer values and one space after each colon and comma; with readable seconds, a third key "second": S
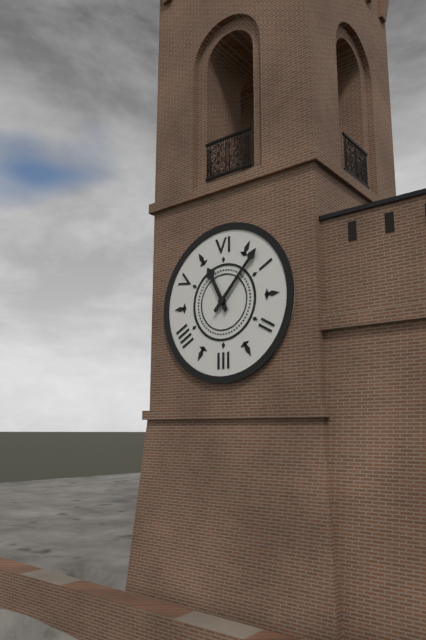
{"hour": 11, "minute": 7}
